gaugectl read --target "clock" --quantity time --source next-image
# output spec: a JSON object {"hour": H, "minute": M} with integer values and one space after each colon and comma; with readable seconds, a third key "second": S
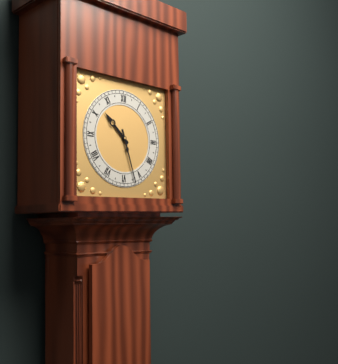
{"hour": 10, "minute": 27}
